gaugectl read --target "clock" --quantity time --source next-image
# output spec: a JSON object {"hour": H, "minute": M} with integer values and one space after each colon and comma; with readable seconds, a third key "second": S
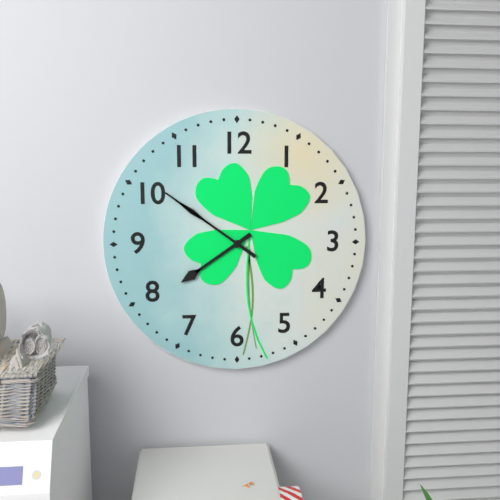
{"hour": 7, "minute": 51}
